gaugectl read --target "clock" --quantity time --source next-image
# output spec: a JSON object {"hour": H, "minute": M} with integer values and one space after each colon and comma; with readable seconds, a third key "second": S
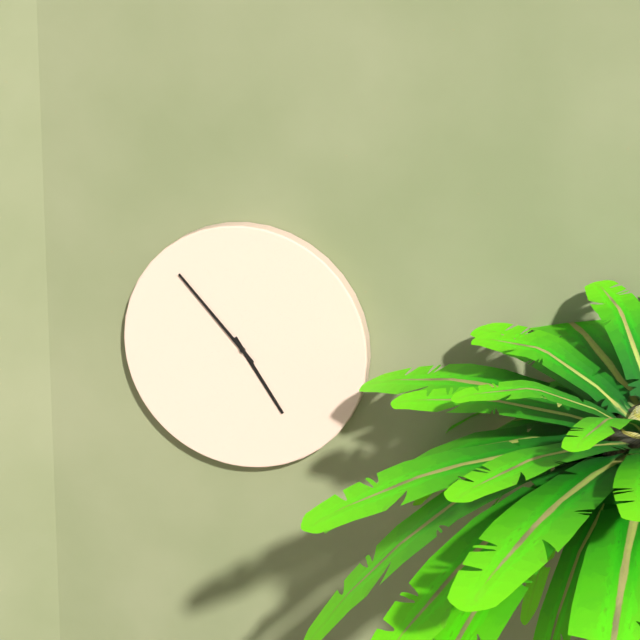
{"hour": 4, "minute": 53}
